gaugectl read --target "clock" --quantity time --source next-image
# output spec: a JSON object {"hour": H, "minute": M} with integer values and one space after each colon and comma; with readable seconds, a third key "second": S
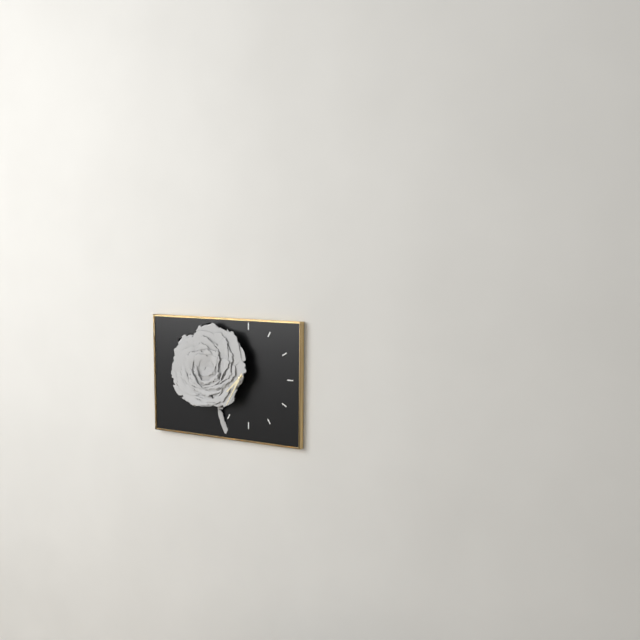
{"hour": 7, "minute": 35}
